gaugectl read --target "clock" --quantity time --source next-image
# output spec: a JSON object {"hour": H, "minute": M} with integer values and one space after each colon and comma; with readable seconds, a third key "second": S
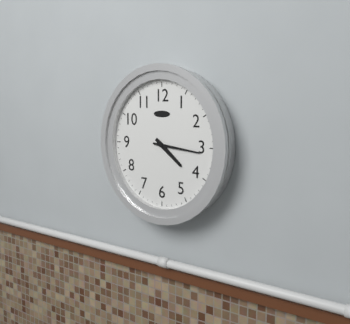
{"hour": 4, "minute": 16}
